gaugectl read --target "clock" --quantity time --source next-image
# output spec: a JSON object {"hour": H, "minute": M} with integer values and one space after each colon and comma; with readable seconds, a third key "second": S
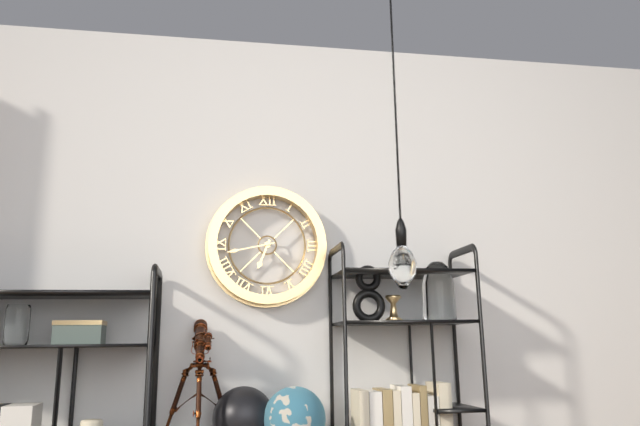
{"hour": 6, "minute": 43}
